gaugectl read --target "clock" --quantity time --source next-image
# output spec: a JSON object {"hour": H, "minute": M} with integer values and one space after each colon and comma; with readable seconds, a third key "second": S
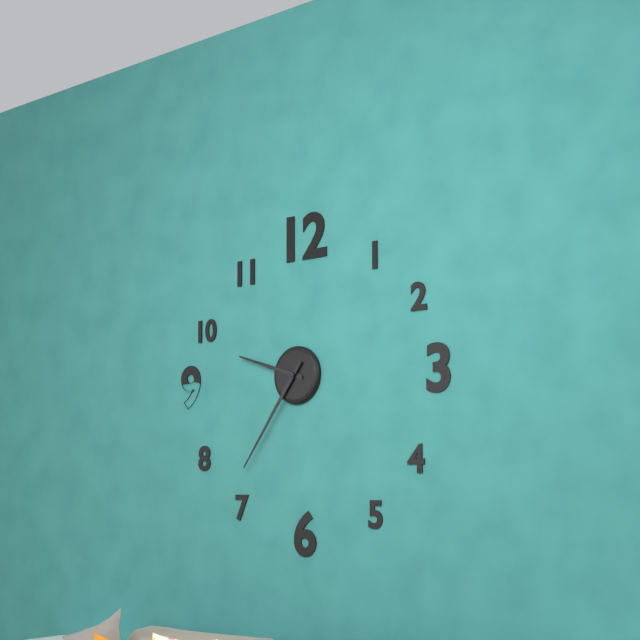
{"hour": 9, "minute": 36}
